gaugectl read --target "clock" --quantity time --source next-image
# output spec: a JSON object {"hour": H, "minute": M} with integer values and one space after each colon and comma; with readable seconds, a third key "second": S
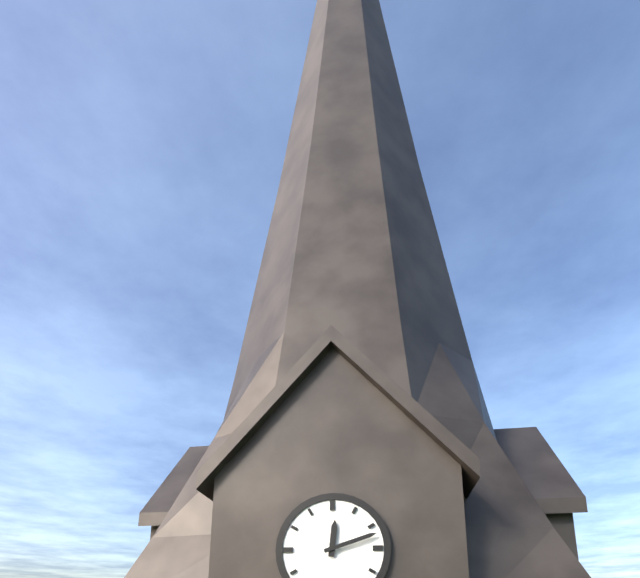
{"hour": 12, "minute": 12}
